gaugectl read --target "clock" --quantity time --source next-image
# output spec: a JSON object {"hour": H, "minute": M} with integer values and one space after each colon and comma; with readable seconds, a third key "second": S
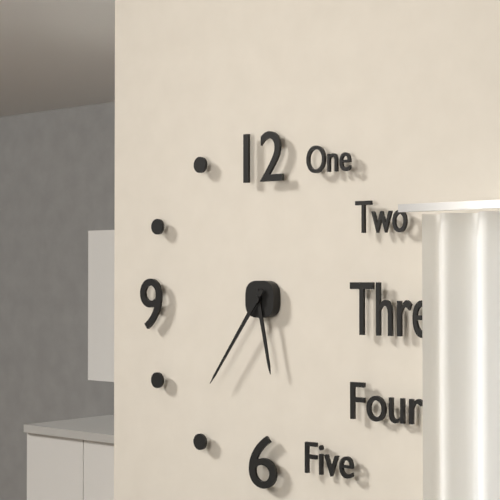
{"hour": 5, "minute": 36}
